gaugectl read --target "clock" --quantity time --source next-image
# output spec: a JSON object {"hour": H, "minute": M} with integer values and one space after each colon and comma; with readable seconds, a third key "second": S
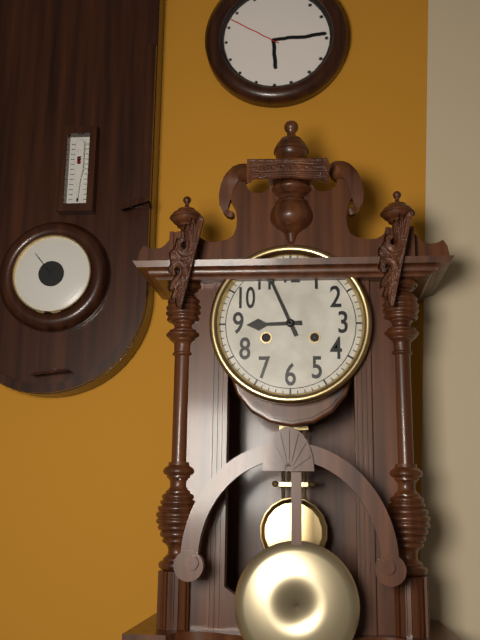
{"hour": 8, "minute": 56}
